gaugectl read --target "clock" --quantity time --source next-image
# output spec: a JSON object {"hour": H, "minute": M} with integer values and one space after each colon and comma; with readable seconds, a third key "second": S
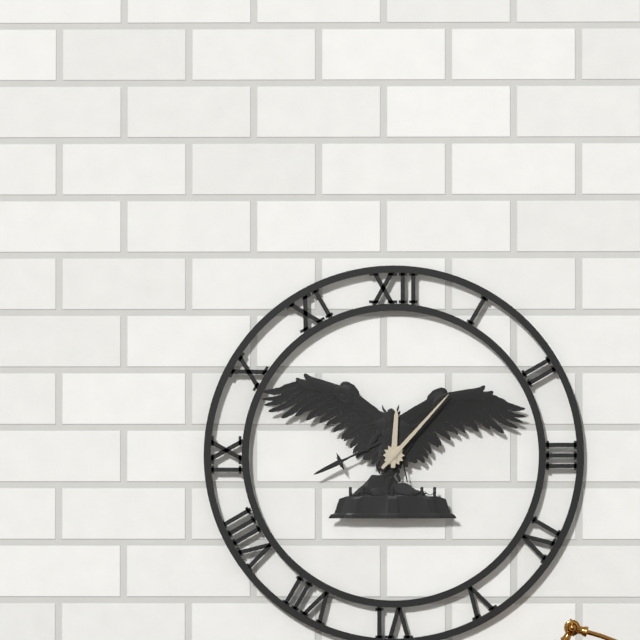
{"hour": 12, "minute": 7}
